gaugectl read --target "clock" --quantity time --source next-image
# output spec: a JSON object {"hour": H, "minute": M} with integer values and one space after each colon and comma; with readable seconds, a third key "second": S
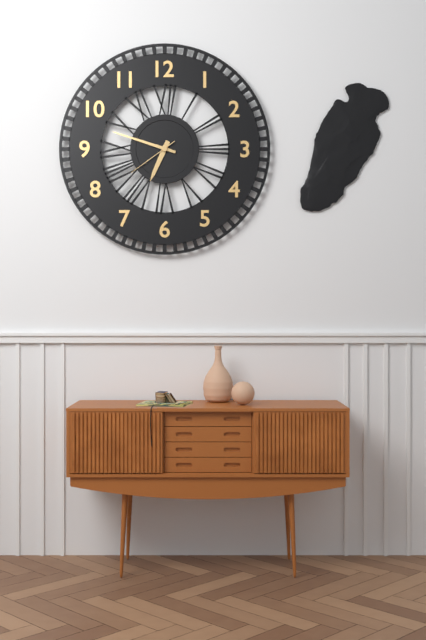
{"hour": 6, "minute": 48, "second": 39}
